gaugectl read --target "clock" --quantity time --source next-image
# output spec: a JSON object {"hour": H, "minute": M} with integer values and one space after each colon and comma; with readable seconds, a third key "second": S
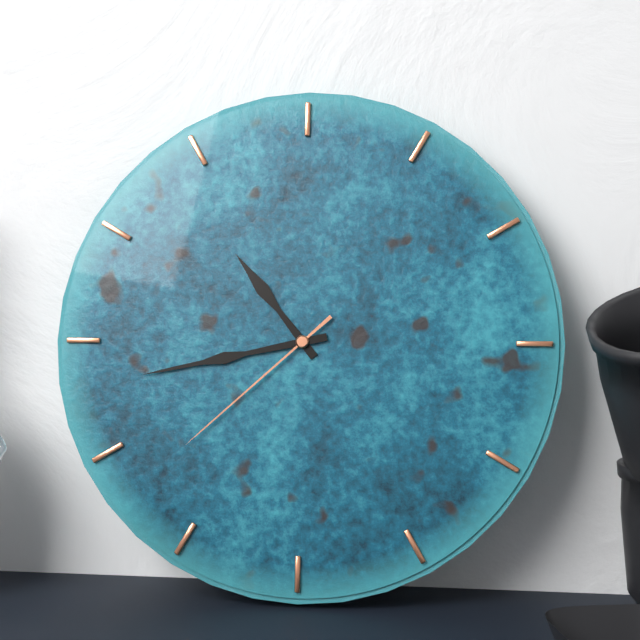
{"hour": 10, "minute": 43, "second": 38}
